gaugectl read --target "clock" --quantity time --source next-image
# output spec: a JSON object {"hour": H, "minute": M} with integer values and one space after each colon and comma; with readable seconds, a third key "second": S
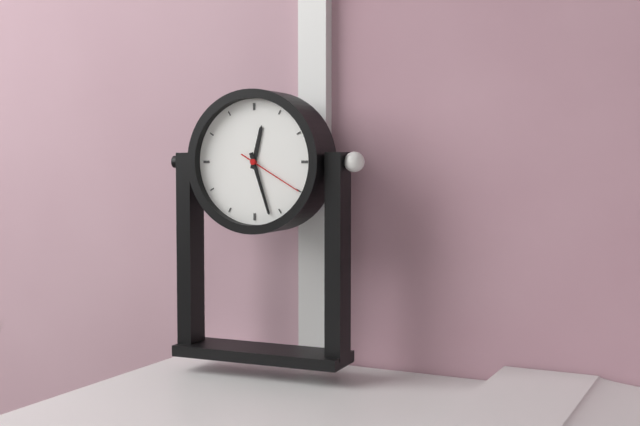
{"hour": 12, "minute": 27, "second": 20}
